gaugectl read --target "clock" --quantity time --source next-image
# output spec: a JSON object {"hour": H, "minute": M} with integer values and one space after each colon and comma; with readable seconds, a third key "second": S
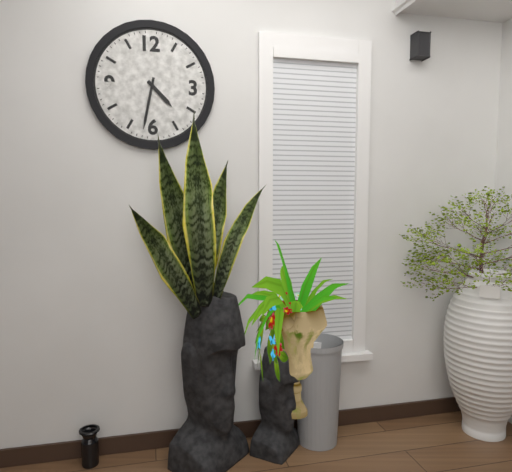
{"hour": 4, "minute": 32}
